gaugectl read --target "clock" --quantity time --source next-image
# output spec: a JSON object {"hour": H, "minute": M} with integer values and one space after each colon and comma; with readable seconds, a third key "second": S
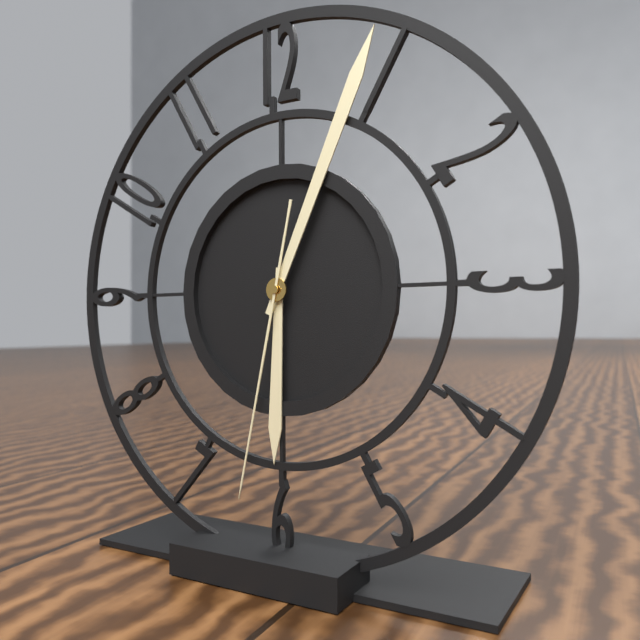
{"hour": 6, "minute": 4, "second": 32}
